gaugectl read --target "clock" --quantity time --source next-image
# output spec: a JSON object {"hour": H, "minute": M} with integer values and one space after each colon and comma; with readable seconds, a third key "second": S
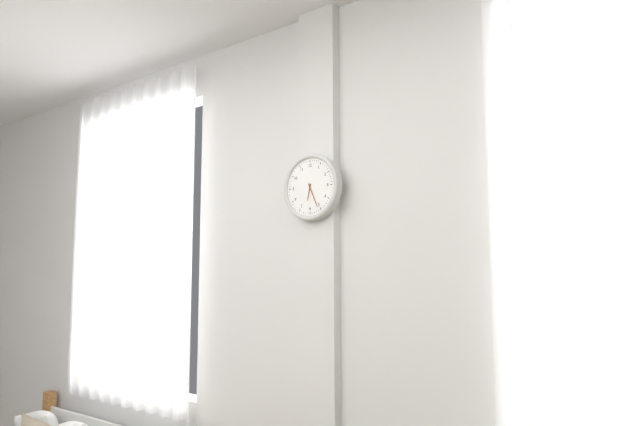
{"hour": 6, "minute": 26}
